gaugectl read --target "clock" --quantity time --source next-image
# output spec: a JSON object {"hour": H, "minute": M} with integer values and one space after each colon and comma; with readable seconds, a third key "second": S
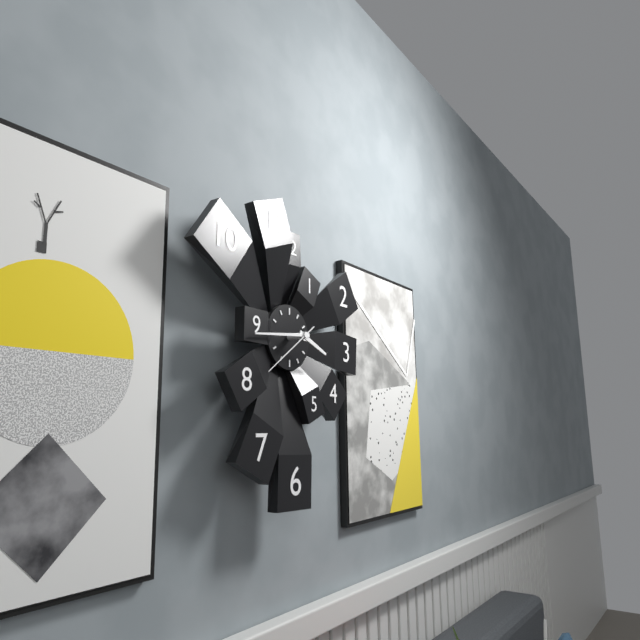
{"hour": 3, "minute": 44}
